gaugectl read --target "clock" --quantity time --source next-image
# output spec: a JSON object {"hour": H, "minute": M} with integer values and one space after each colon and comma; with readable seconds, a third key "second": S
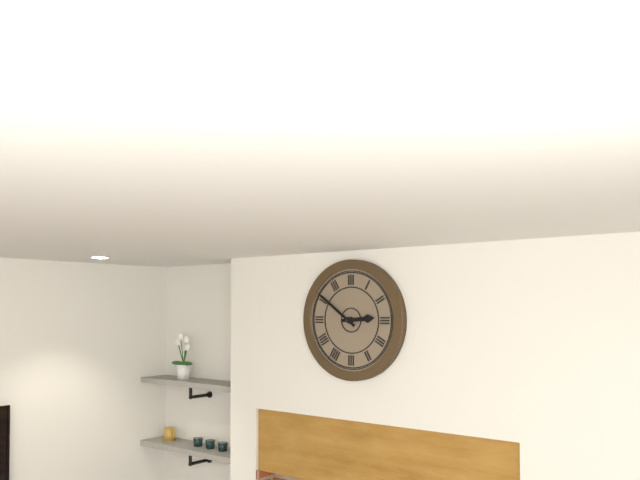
{"hour": 2, "minute": 51}
